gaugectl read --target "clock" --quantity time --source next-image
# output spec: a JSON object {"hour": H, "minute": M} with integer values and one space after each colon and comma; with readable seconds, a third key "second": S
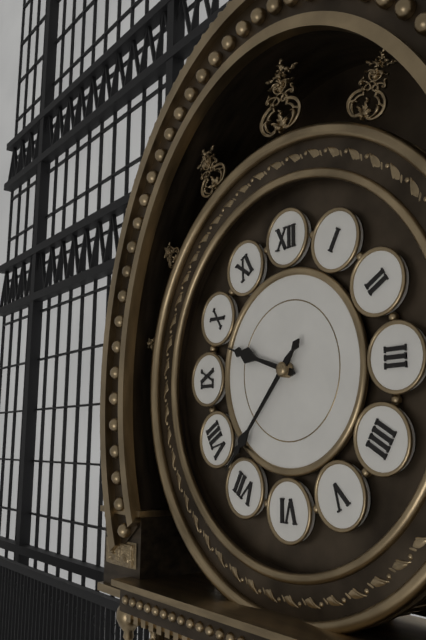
{"hour": 9, "minute": 37}
